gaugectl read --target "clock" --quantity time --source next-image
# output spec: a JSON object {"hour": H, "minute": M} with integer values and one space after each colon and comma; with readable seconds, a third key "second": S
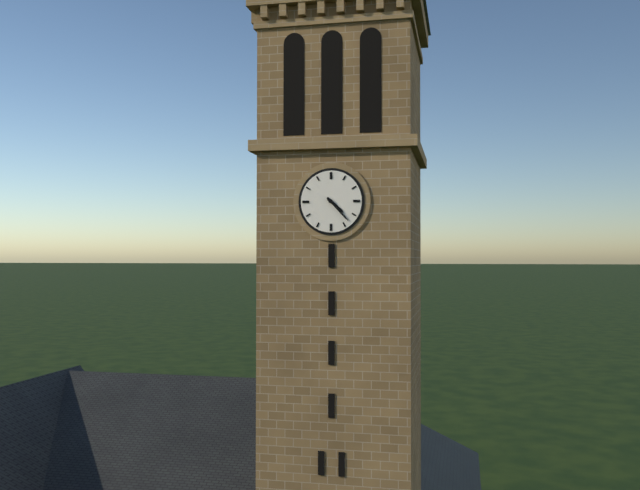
{"hour": 4, "minute": 23}
